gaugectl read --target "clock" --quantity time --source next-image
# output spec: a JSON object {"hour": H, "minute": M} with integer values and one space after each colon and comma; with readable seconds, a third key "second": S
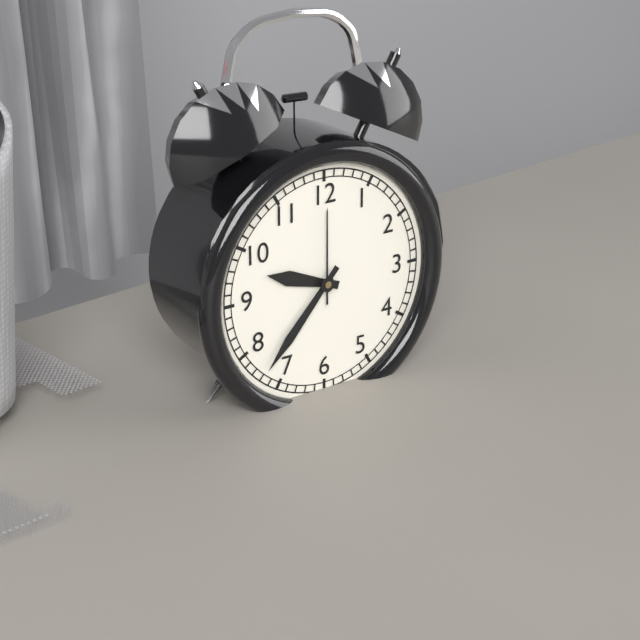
{"hour": 9, "minute": 37, "second": 0}
